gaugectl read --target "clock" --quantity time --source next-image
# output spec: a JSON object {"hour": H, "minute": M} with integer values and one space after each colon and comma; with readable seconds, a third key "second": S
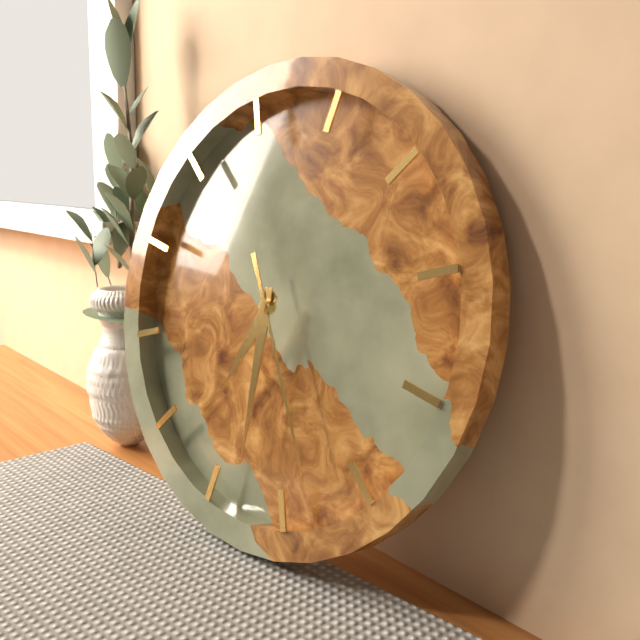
{"hour": 6, "minute": 28, "second": 23}
